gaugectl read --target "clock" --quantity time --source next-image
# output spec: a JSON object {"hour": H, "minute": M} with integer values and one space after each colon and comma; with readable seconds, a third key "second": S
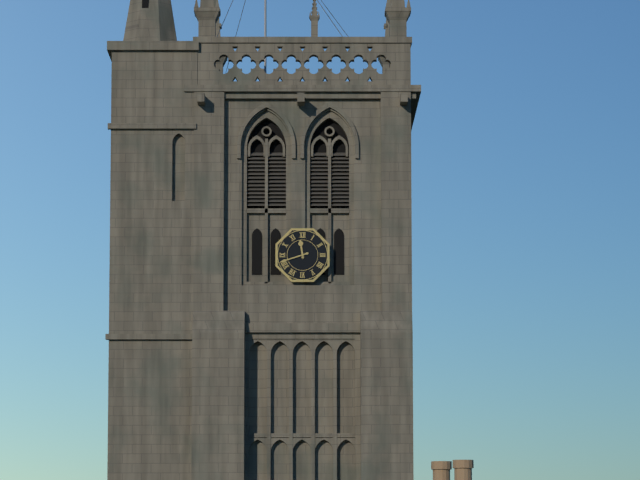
{"hour": 11, "minute": 42}
